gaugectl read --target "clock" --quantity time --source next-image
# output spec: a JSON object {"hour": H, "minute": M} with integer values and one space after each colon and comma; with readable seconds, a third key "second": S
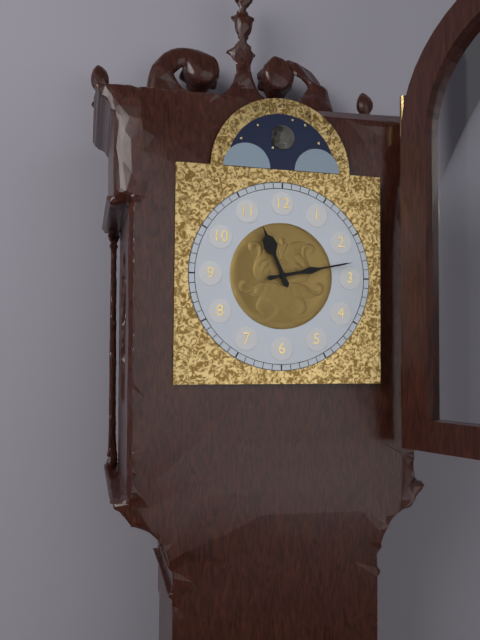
{"hour": 11, "minute": 13}
